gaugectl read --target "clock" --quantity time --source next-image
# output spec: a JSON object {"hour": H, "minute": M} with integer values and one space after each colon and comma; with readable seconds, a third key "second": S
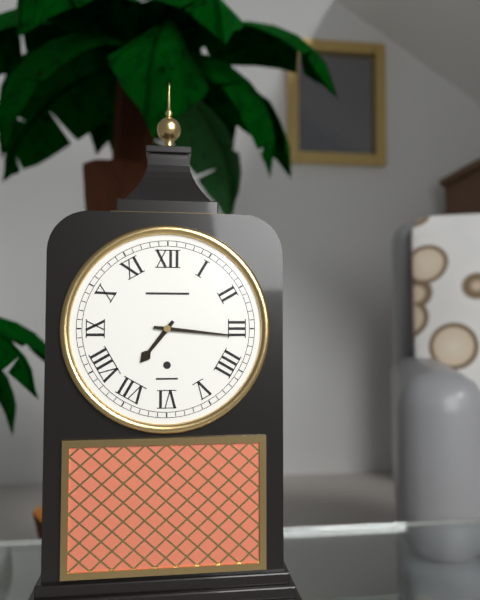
{"hour": 7, "minute": 16}
